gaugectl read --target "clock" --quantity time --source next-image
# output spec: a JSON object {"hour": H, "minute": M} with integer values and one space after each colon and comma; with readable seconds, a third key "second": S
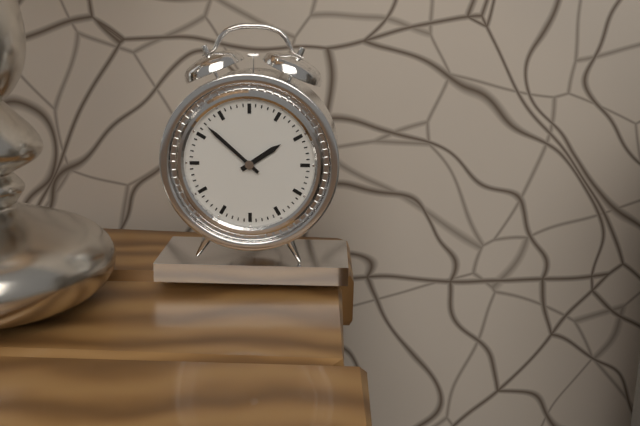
{"hour": 1, "minute": 52}
